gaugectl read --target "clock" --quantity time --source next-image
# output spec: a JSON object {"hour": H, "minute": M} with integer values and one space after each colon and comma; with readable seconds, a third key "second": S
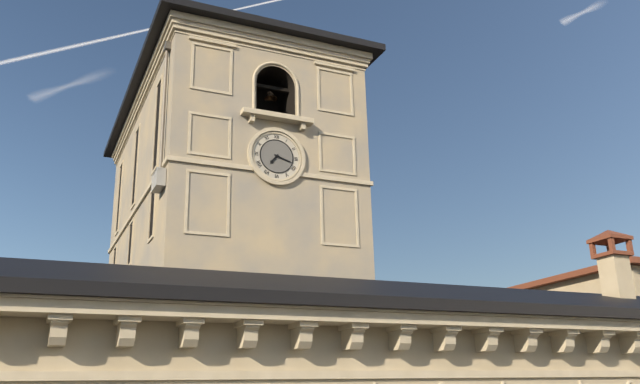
{"hour": 7, "minute": 18}
